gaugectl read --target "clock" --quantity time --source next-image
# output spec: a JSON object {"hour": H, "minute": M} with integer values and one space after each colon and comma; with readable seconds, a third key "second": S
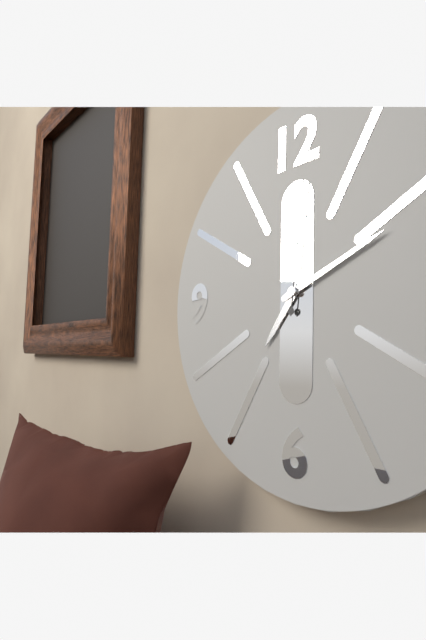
{"hour": 7, "minute": 11, "second": 1}
